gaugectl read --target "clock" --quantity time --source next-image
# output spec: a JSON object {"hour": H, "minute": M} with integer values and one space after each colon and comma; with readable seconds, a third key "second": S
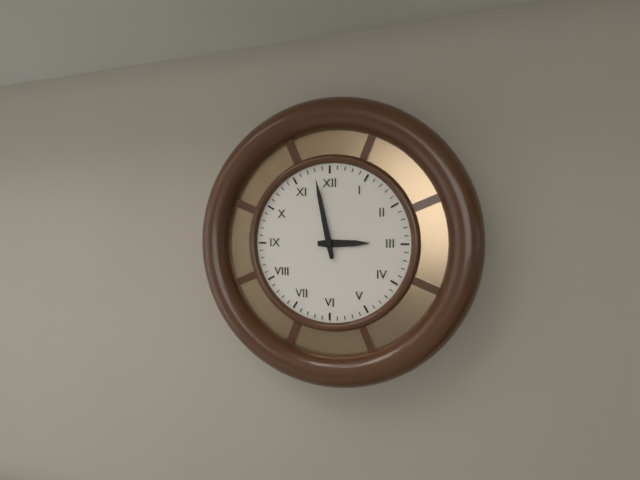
{"hour": 2, "minute": 58}
